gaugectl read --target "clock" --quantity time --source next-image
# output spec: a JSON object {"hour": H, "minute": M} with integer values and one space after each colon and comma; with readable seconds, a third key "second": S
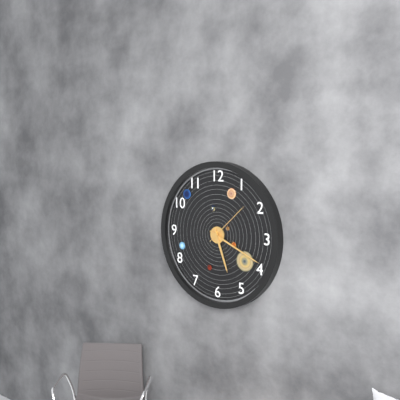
{"hour": 5, "minute": 19, "second": 8}
